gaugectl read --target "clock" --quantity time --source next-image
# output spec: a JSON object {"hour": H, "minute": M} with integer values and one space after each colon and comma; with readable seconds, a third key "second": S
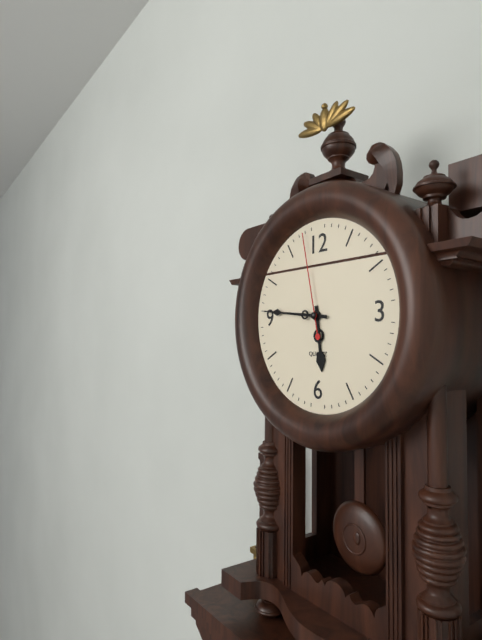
{"hour": 5, "minute": 46, "second": 58}
